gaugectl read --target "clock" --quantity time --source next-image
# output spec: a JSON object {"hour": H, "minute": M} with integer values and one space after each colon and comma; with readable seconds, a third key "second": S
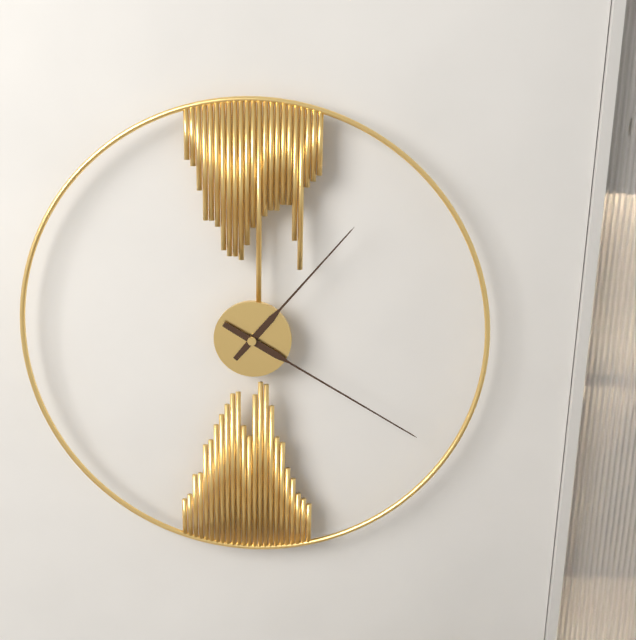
{"hour": 1, "minute": 20}
